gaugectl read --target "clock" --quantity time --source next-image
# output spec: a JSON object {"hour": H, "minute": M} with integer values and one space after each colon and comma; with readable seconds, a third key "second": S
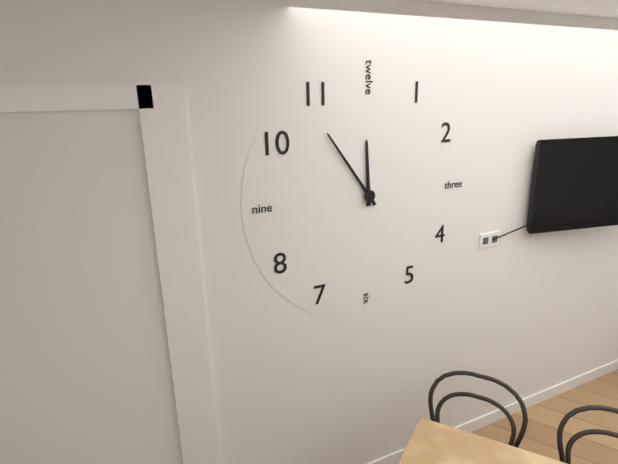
{"hour": 11, "minute": 54}
